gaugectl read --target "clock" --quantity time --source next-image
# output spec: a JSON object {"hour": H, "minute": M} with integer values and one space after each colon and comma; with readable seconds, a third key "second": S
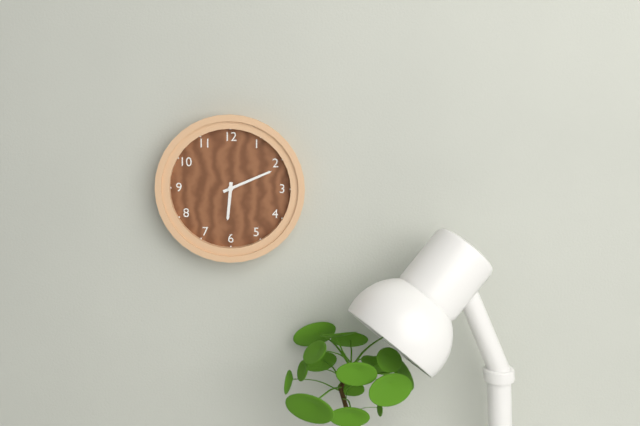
{"hour": 6, "minute": 11}
